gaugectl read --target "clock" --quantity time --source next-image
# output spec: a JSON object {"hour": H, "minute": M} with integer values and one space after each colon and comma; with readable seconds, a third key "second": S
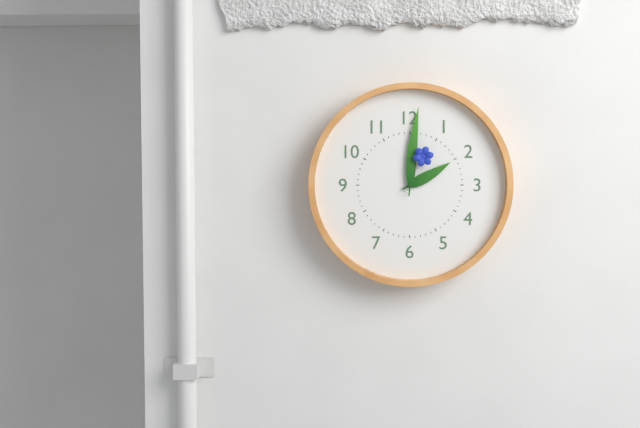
{"hour": 2, "minute": 1, "second": 4}
